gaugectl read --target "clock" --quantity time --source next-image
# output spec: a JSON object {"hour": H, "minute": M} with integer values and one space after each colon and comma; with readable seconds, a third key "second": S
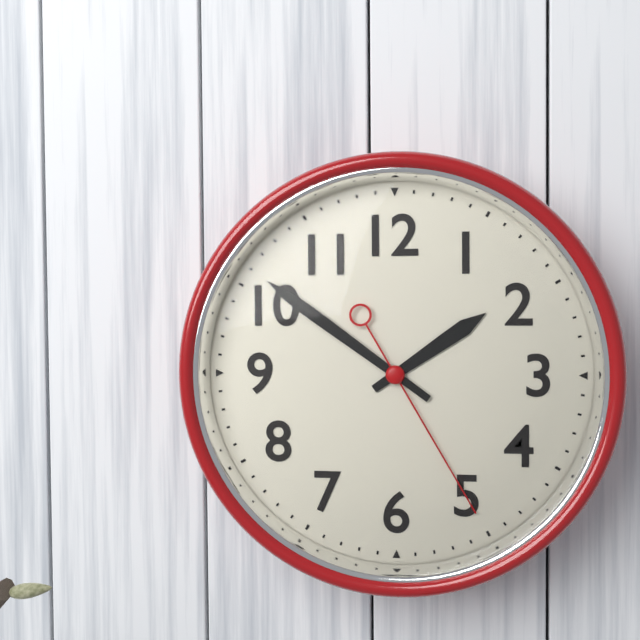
{"hour": 1, "minute": 51, "second": 25}
